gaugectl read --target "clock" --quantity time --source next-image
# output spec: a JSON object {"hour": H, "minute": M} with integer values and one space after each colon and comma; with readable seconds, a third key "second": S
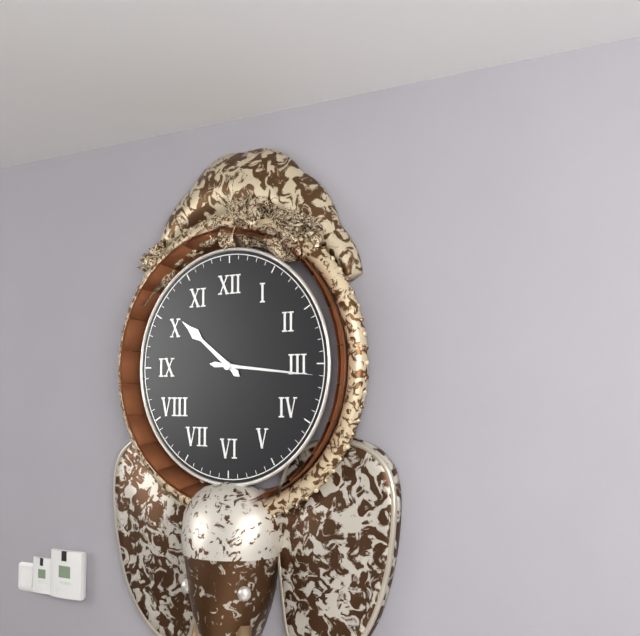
{"hour": 10, "minute": 16}
